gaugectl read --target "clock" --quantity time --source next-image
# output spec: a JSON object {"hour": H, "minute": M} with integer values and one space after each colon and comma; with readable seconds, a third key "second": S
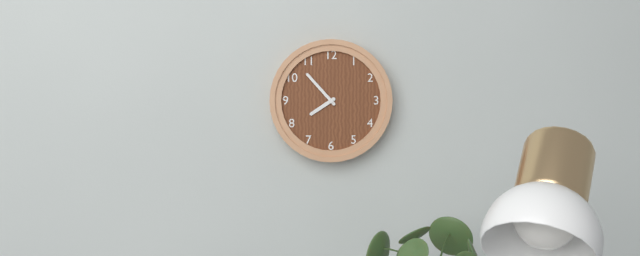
{"hour": 7, "minute": 53}
